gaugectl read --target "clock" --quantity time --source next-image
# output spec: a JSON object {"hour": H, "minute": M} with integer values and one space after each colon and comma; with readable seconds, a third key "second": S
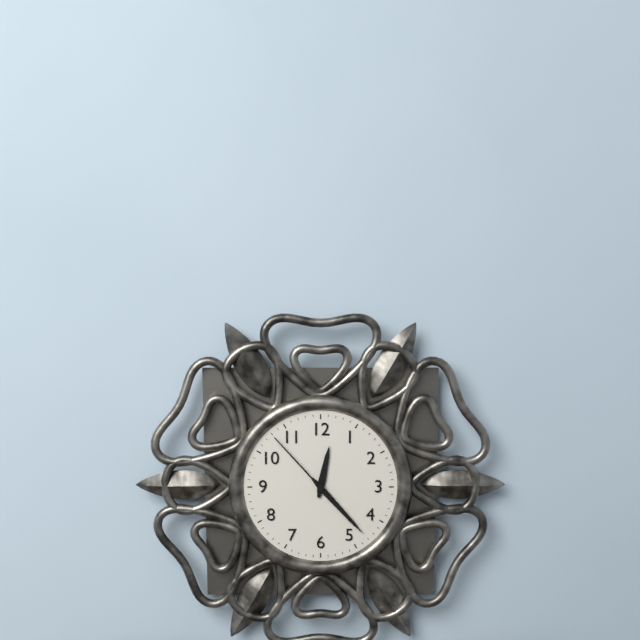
{"hour": 12, "minute": 23, "second": 53}
